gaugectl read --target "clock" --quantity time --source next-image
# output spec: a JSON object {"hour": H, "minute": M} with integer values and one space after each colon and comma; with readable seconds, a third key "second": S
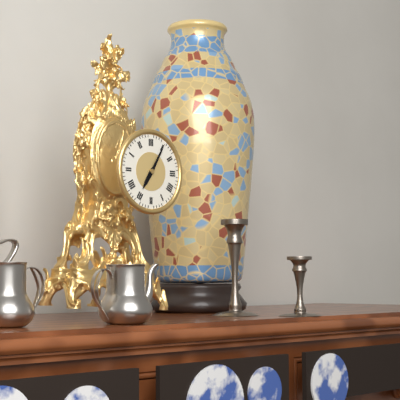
{"hour": 7, "minute": 5}
